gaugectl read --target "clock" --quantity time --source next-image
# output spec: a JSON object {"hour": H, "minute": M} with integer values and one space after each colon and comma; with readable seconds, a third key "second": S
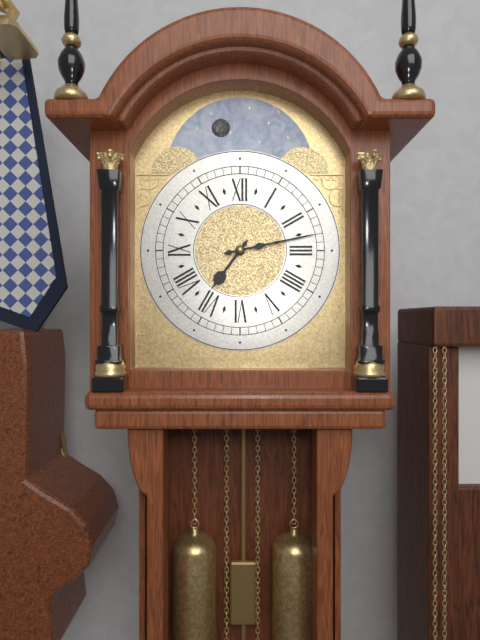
{"hour": 7, "minute": 13}
